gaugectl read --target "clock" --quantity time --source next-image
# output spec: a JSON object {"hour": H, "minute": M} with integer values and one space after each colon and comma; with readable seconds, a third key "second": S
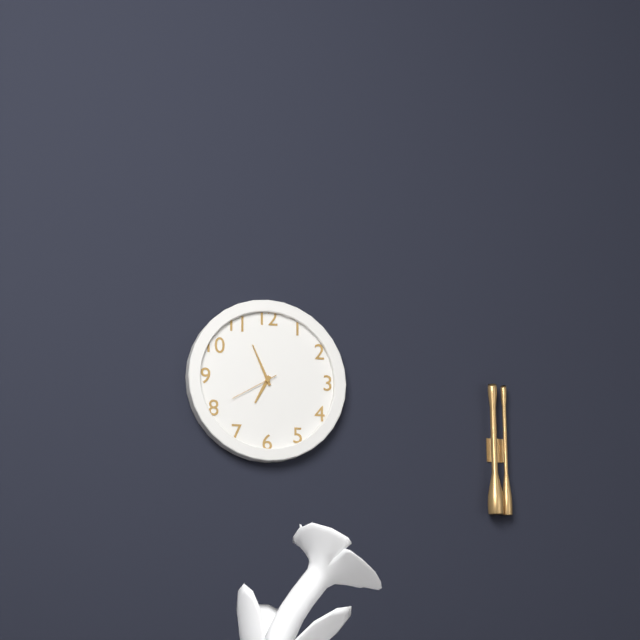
{"hour": 6, "minute": 56}
